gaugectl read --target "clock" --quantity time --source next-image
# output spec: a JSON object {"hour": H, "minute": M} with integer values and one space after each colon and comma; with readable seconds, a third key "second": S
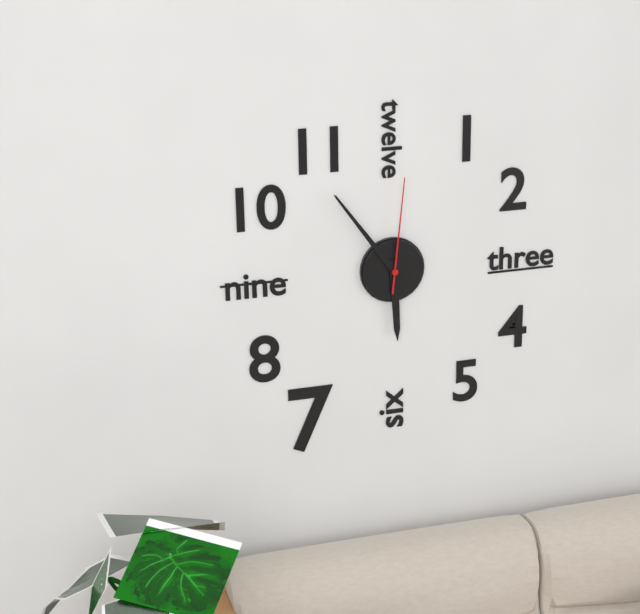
{"hour": 5, "minute": 54, "second": 1}
